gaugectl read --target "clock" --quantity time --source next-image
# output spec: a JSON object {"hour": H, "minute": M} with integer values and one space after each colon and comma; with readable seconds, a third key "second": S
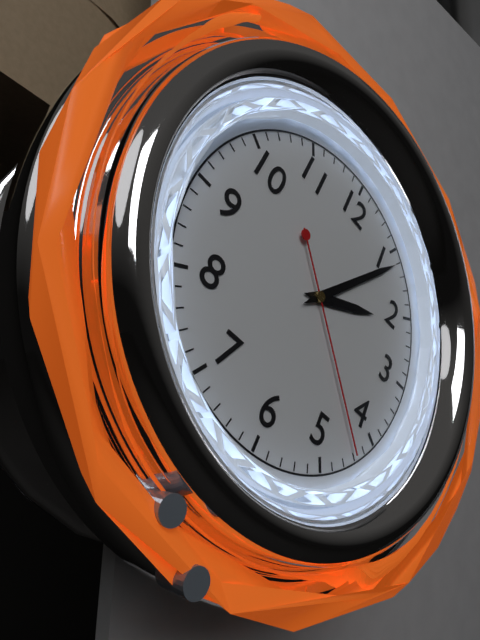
{"hour": 2, "minute": 6, "second": 22}
